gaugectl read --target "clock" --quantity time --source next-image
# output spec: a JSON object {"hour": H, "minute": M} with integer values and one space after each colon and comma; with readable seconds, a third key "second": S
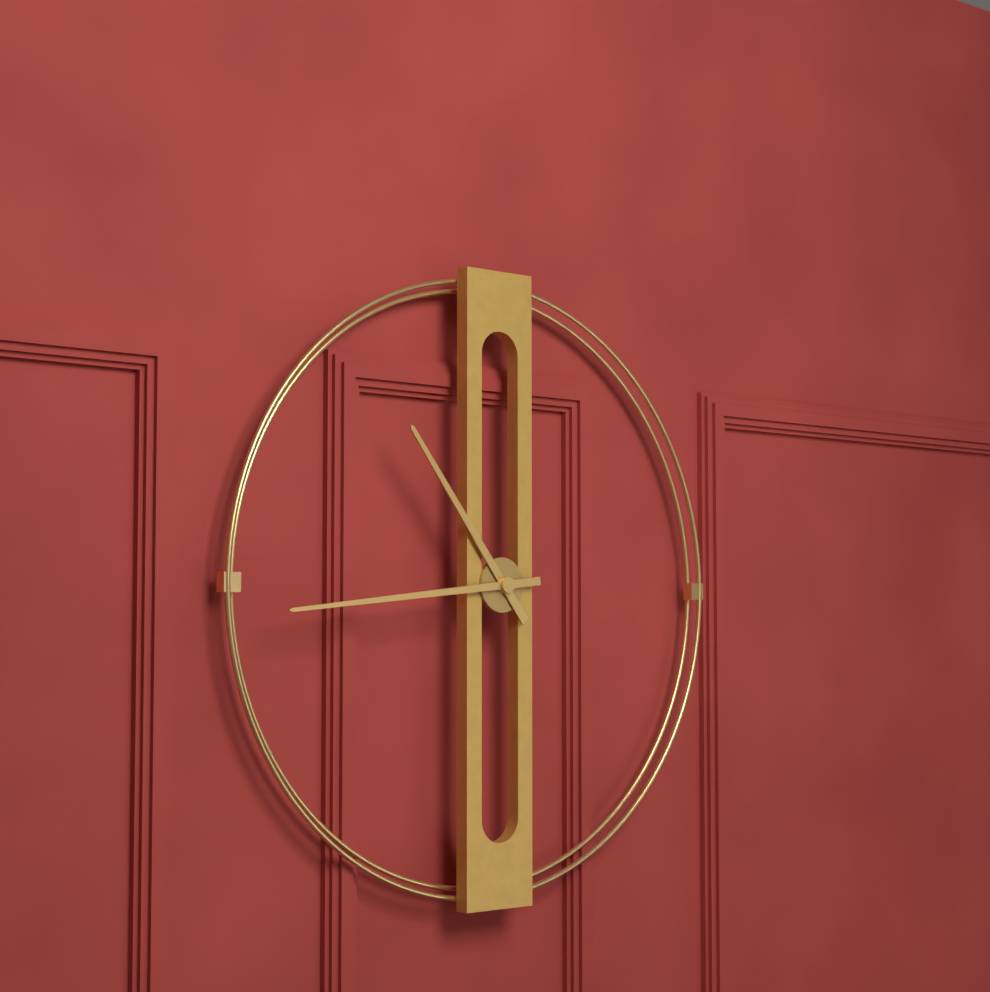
{"hour": 10, "minute": 44}
